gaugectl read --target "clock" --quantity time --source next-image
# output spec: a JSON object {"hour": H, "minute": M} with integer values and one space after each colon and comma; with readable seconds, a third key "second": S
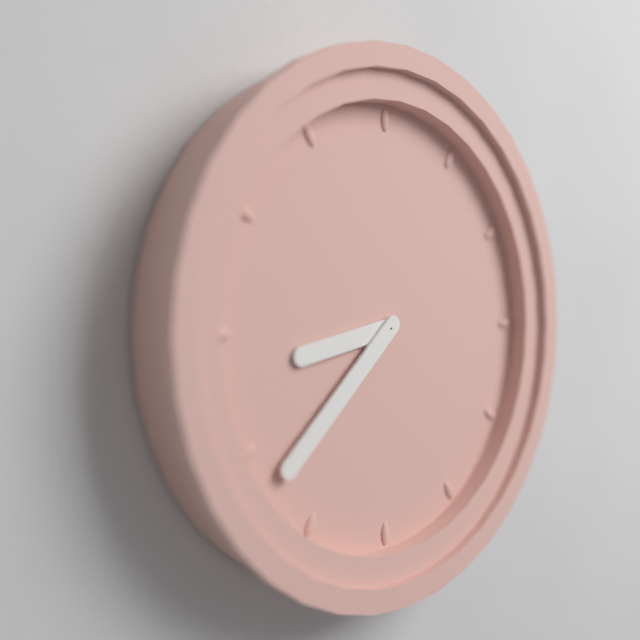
{"hour": 8, "minute": 38}
